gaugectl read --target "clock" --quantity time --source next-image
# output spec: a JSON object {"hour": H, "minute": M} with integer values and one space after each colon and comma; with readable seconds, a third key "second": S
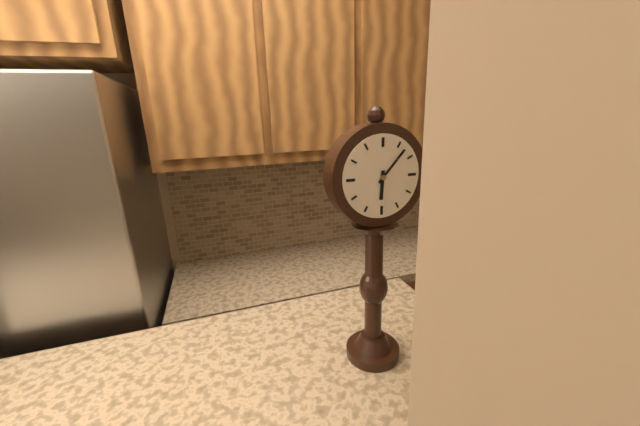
{"hour": 6, "minute": 7}
